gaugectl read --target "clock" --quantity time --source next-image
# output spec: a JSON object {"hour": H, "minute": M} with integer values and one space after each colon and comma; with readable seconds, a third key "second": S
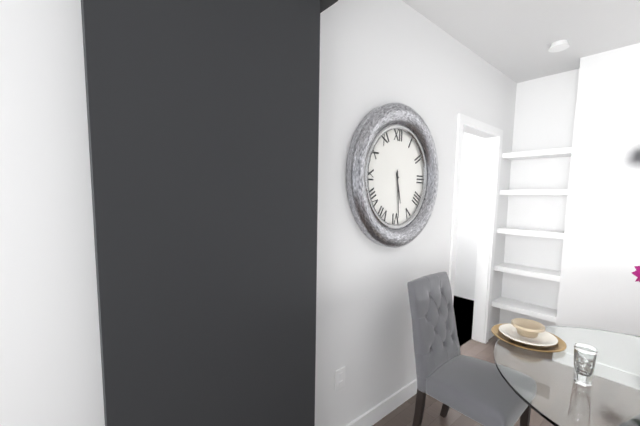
{"hour": 5, "minute": 29}
